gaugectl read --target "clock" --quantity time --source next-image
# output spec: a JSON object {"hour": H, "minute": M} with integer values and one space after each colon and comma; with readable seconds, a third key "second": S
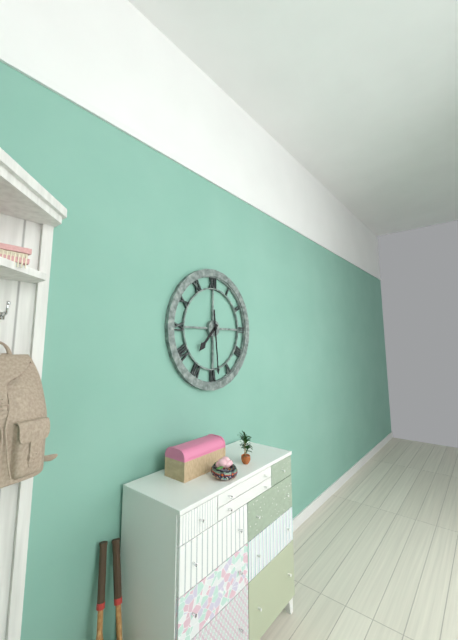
{"hour": 7, "minute": 29}
